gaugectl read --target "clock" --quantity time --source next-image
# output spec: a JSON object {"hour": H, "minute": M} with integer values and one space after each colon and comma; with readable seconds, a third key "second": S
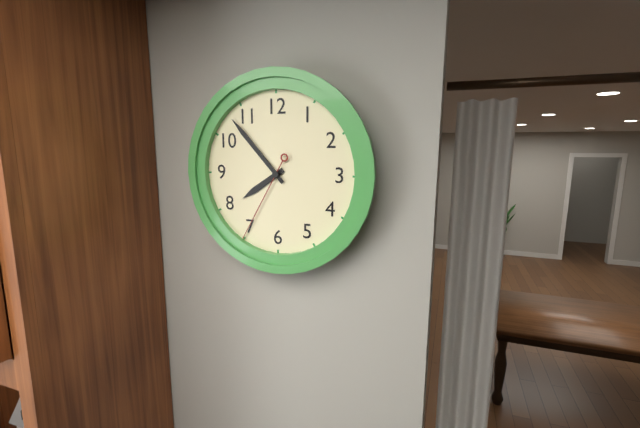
{"hour": 7, "minute": 53, "second": 35}
